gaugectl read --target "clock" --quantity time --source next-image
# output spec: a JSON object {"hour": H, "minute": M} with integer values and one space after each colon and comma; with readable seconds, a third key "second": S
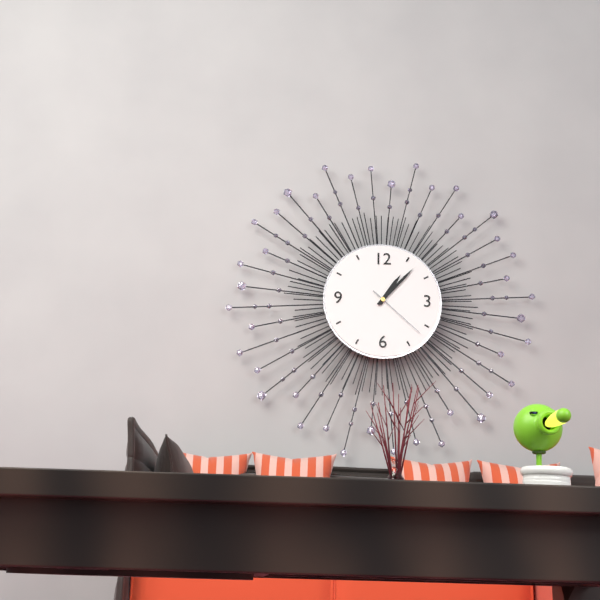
{"hour": 1, "minute": 7, "second": 22}
